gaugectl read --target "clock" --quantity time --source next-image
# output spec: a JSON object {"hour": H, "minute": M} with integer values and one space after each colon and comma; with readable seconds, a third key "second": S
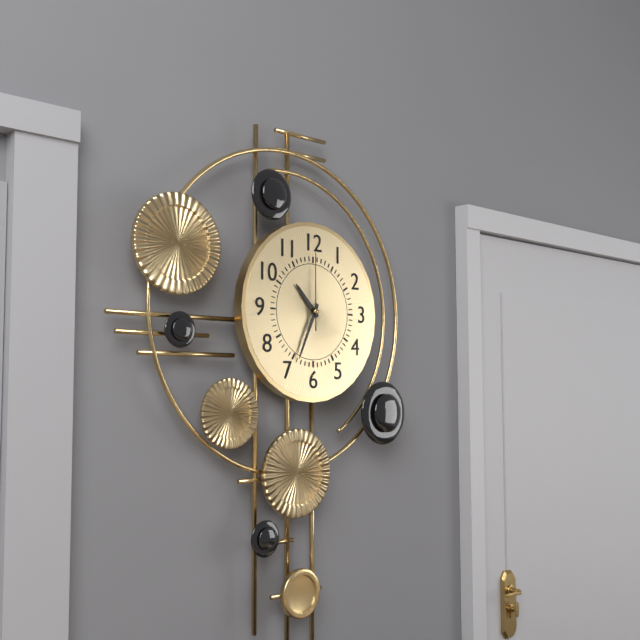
{"hour": 10, "minute": 34, "second": 0}
